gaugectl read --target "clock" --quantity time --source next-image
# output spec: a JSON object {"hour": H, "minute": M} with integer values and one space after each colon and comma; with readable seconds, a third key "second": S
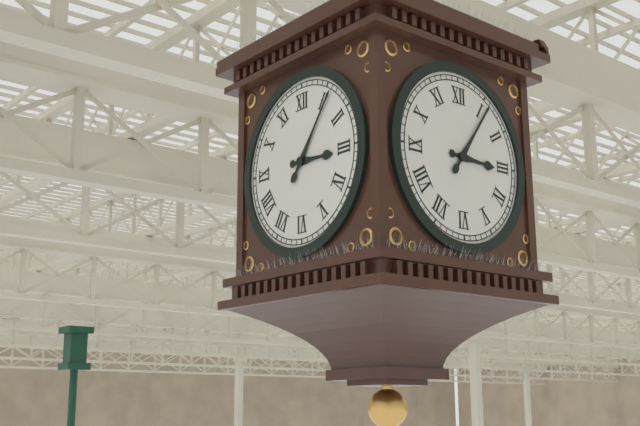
{"hour": 3, "minute": 6}
